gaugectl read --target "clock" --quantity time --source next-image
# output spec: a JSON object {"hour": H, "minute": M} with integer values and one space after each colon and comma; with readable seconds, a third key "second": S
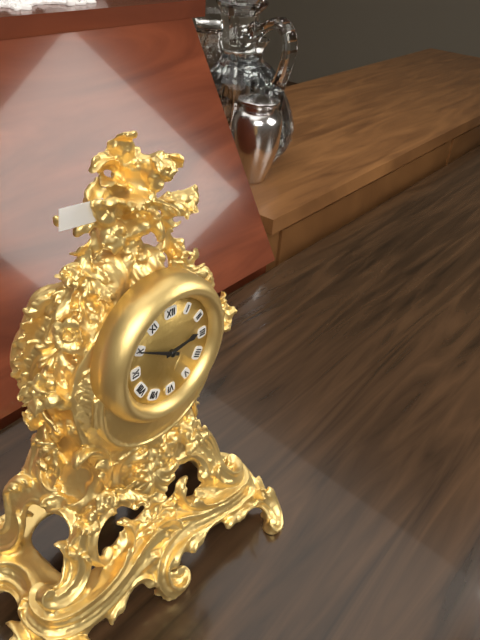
{"hour": 2, "minute": 50}
